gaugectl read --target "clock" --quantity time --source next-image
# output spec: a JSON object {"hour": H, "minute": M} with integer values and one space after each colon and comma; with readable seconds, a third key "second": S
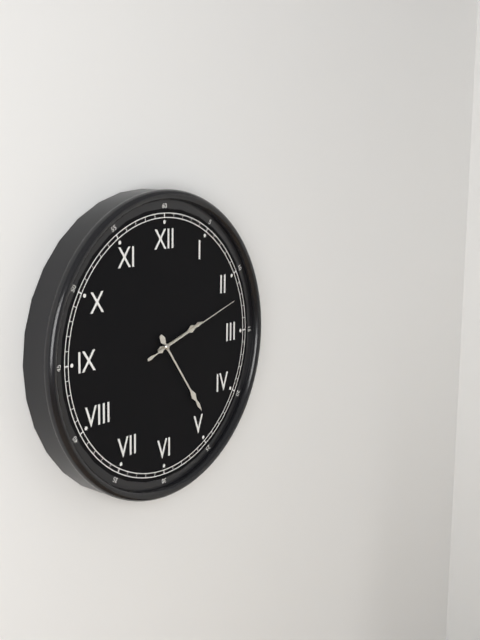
{"hour": 2, "minute": 24, "second": 12}
